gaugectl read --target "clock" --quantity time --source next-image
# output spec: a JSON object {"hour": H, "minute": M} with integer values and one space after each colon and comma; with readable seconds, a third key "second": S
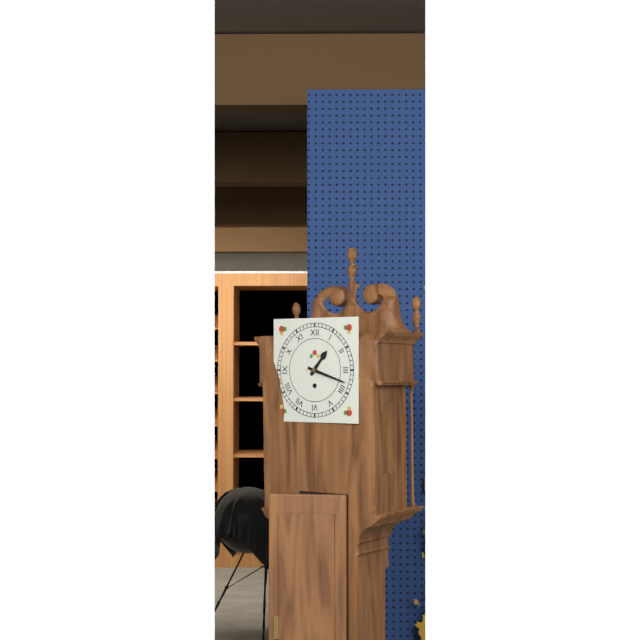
{"hour": 1, "minute": 18}
